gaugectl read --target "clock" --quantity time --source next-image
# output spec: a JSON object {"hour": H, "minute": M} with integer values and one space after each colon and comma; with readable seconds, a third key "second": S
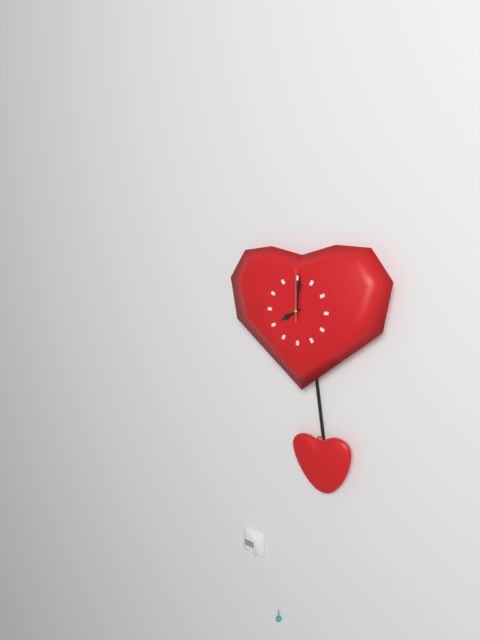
{"hour": 8, "minute": 1, "second": 0}
